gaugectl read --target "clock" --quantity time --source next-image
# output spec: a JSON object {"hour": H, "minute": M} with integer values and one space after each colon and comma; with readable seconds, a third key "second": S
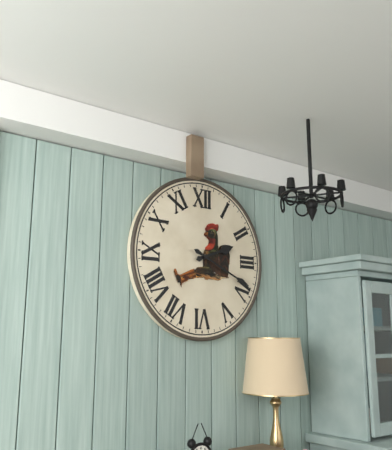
{"hour": 2, "minute": 19}
